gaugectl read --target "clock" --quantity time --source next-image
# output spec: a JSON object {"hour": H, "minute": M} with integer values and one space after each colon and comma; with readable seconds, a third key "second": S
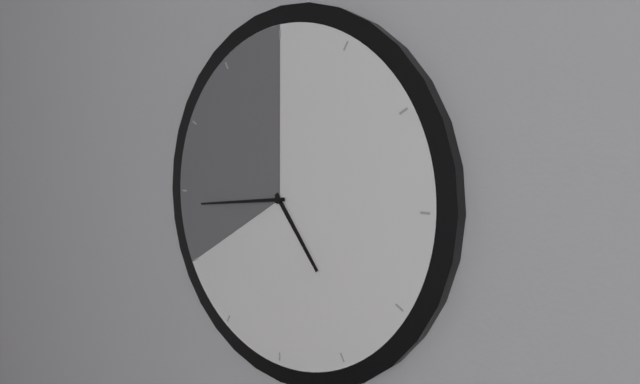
{"hour": 4, "minute": 44}
